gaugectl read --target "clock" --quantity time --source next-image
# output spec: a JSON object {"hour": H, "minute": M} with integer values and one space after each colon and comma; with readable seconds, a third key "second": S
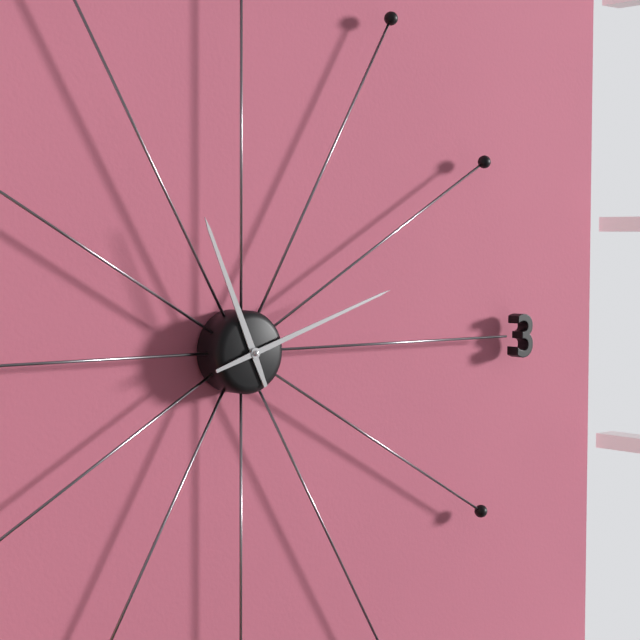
{"hour": 11, "minute": 12}
